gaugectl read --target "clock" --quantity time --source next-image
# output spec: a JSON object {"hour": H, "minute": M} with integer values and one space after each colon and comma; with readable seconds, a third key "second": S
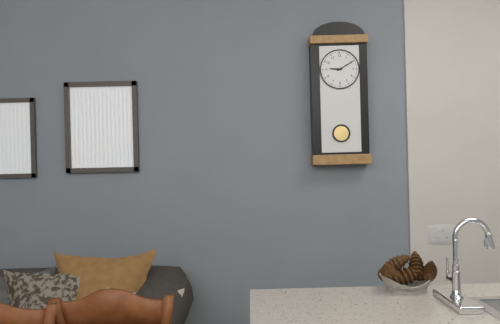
{"hour": 9, "minute": 10}
